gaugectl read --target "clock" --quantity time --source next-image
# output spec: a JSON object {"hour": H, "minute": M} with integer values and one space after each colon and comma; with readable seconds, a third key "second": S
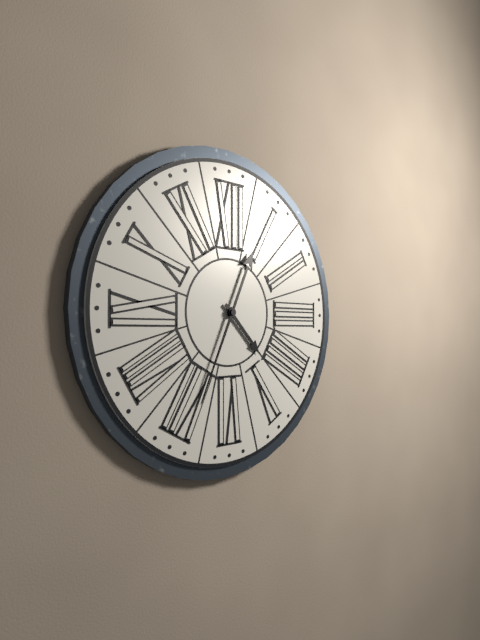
{"hour": 4, "minute": 34}
